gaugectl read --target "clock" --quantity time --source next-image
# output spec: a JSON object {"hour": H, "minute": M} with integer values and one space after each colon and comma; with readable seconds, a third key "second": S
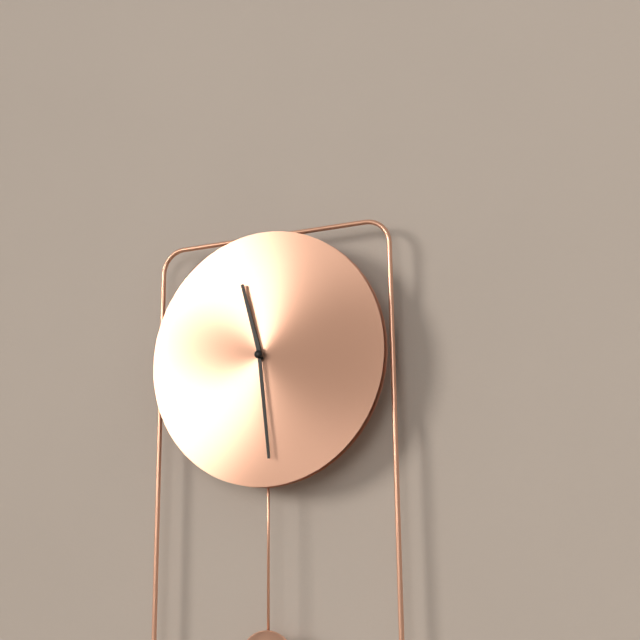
{"hour": 11, "minute": 29}
